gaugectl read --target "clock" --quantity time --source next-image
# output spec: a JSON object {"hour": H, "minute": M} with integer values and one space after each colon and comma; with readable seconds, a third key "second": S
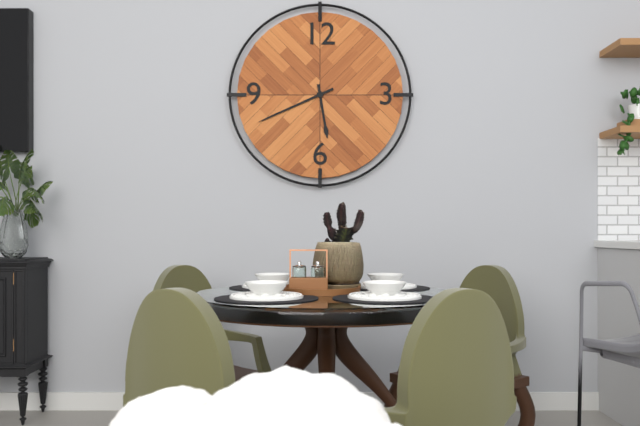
{"hour": 5, "minute": 41}
